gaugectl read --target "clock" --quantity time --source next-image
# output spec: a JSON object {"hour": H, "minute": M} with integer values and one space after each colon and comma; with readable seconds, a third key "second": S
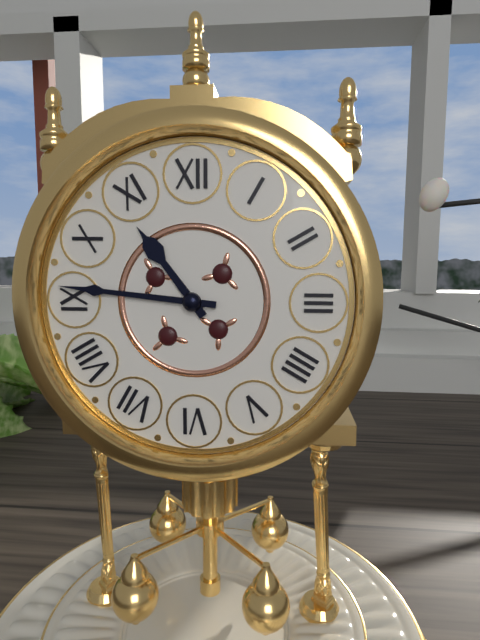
{"hour": 10, "minute": 46}
